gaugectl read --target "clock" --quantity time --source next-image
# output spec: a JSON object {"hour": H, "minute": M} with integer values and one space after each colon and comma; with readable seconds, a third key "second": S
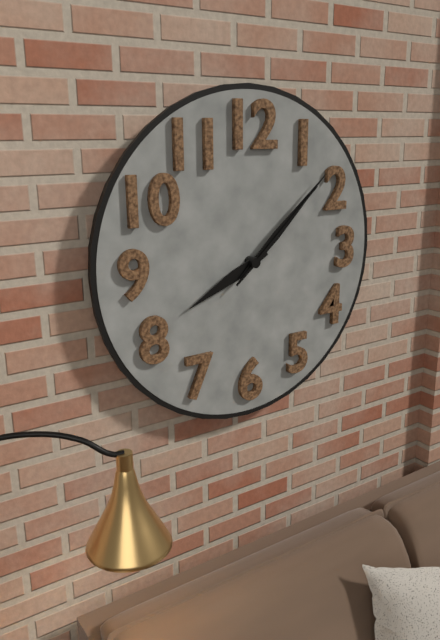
{"hour": 8, "minute": 8, "second": 8}
